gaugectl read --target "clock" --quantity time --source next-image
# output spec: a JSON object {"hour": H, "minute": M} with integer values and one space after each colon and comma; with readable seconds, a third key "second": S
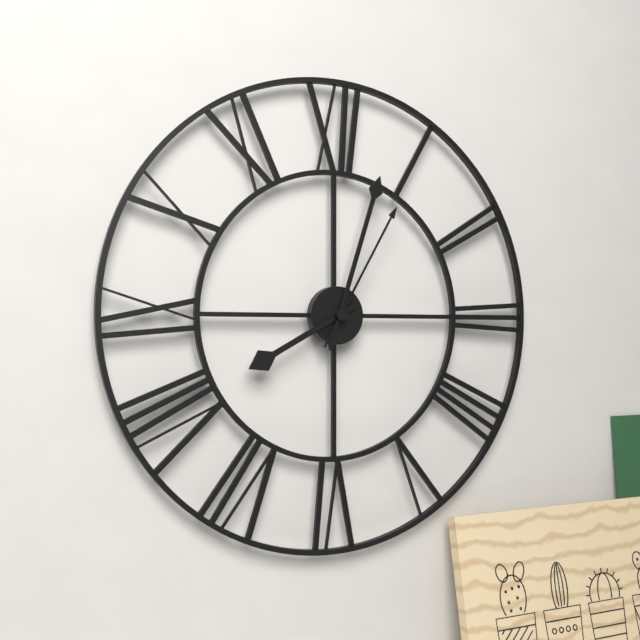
{"hour": 8, "minute": 3, "second": 5}
